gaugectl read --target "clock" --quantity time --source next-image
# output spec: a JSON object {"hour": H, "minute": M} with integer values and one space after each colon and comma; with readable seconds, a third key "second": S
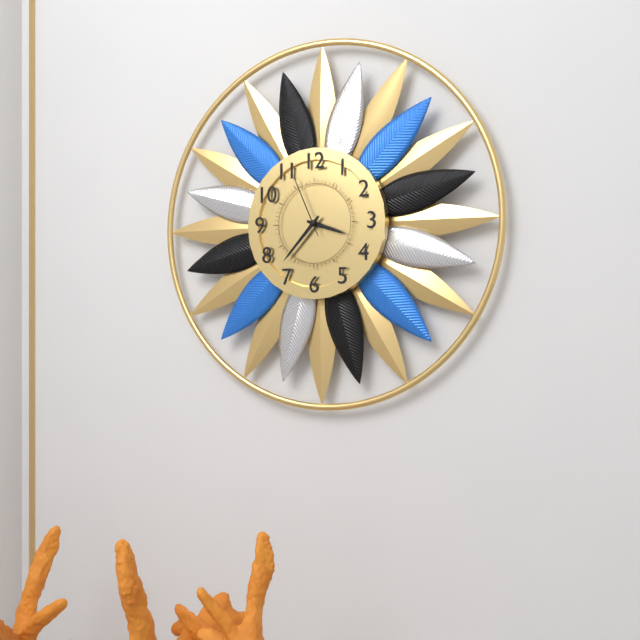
{"hour": 3, "minute": 37, "second": 56}
